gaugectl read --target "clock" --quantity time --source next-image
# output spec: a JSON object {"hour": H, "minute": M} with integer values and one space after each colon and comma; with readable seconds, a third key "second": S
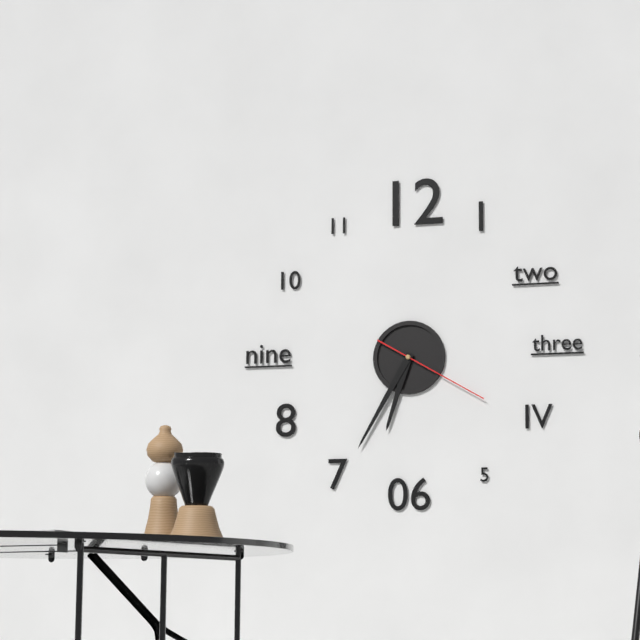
{"hour": 6, "minute": 35, "second": 20}
